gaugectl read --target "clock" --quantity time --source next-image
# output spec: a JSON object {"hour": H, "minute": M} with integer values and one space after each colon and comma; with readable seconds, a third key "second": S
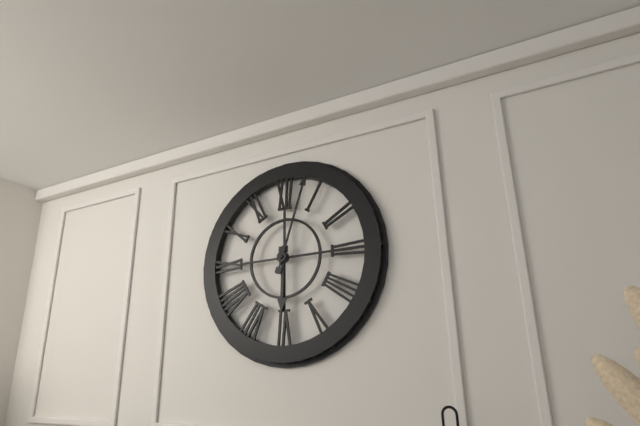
{"hour": 6, "minute": 3}
